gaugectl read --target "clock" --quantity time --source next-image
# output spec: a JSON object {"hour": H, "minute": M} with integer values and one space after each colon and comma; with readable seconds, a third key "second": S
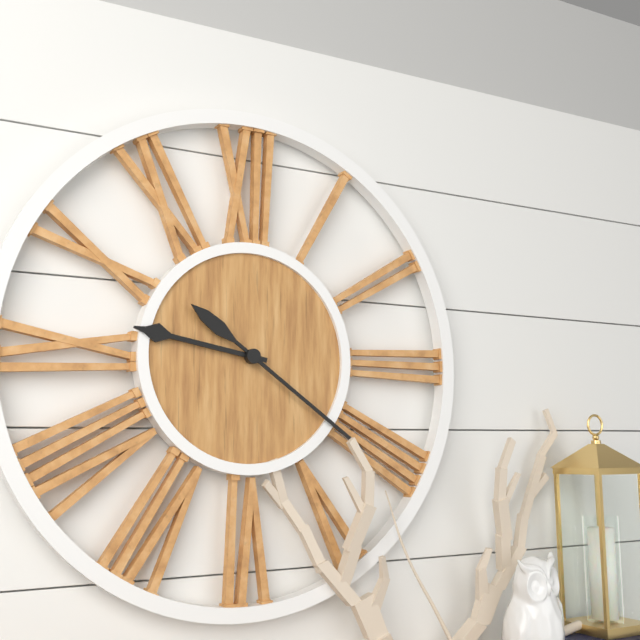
{"hour": 9, "minute": 21}
